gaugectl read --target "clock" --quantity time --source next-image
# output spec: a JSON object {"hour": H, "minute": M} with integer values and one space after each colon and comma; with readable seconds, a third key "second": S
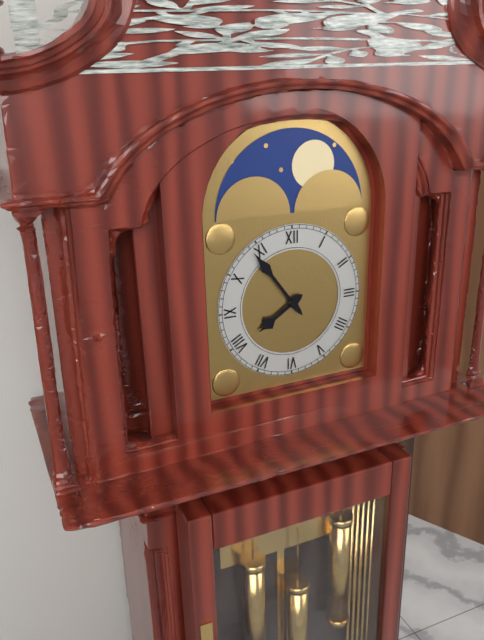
{"hour": 7, "minute": 54}
